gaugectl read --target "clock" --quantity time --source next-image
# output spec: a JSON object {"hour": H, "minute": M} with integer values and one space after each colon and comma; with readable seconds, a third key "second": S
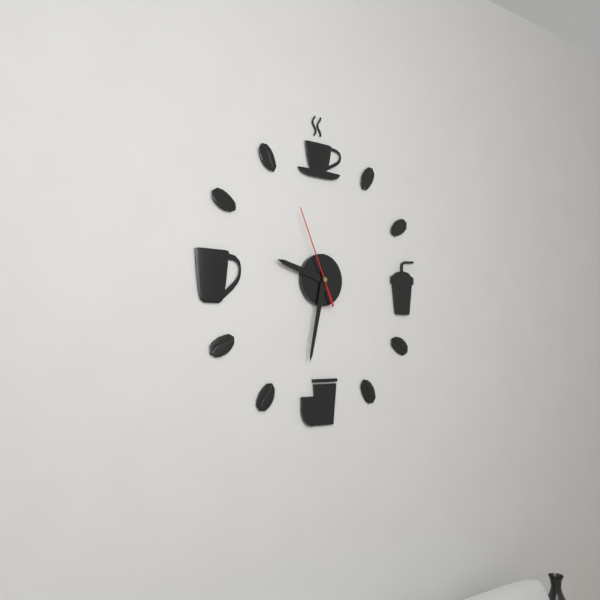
{"hour": 9, "minute": 32, "second": 56}
